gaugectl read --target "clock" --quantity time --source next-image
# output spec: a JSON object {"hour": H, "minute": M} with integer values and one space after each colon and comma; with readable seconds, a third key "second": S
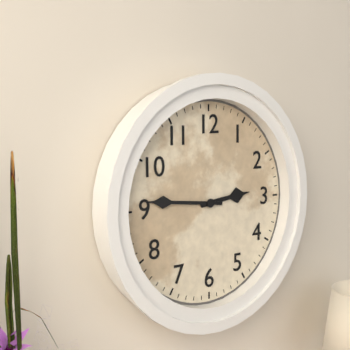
{"hour": 2, "minute": 46}
